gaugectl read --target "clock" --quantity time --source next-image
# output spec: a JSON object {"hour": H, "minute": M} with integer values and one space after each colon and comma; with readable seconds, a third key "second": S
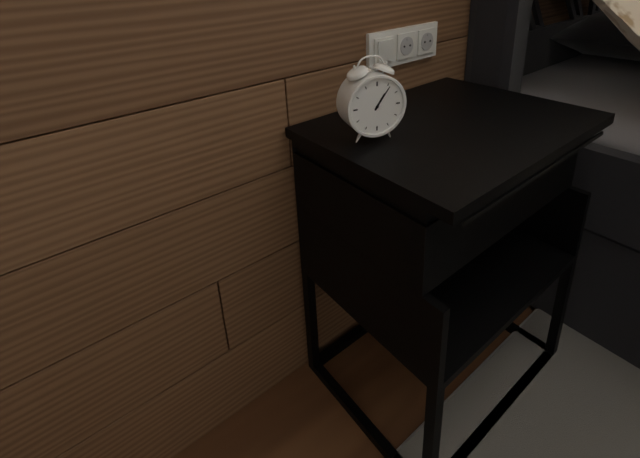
{"hour": 1, "minute": 6}
